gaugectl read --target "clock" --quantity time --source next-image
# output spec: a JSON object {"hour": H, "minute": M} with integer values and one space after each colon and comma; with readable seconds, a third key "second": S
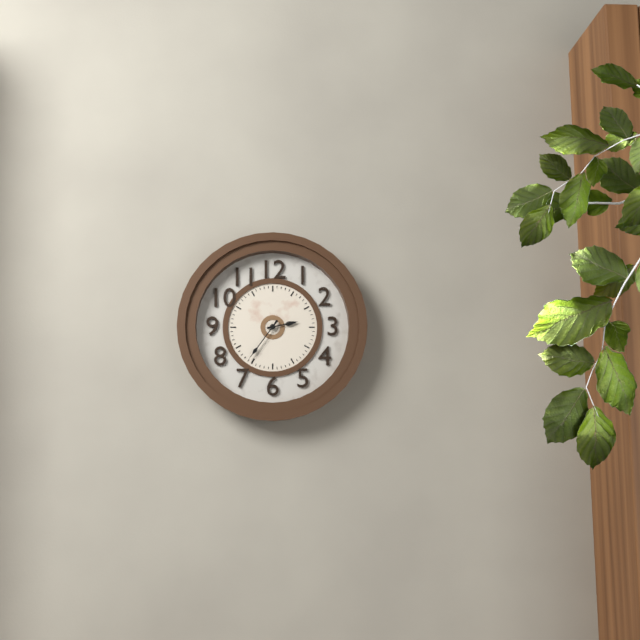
{"hour": 2, "minute": 36}
